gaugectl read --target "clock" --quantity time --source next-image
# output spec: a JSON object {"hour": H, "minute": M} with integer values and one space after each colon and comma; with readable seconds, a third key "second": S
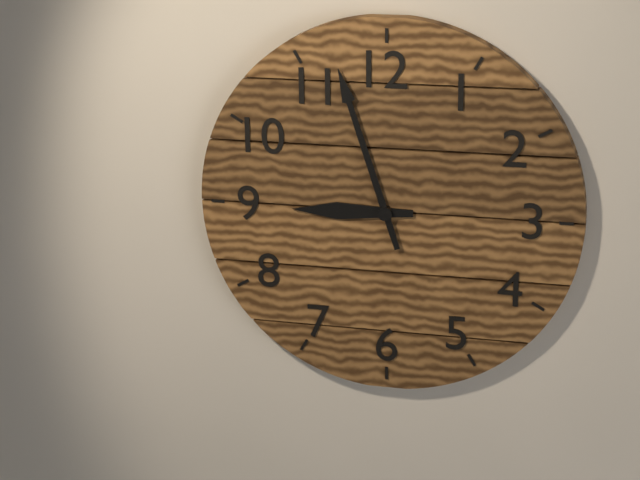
{"hour": 8, "minute": 57}
